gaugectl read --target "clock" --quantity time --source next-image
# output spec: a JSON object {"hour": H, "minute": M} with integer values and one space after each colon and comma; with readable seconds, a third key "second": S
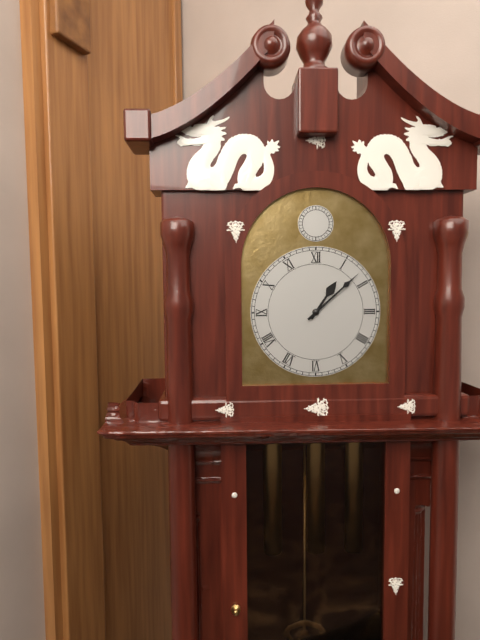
{"hour": 1, "minute": 8}
